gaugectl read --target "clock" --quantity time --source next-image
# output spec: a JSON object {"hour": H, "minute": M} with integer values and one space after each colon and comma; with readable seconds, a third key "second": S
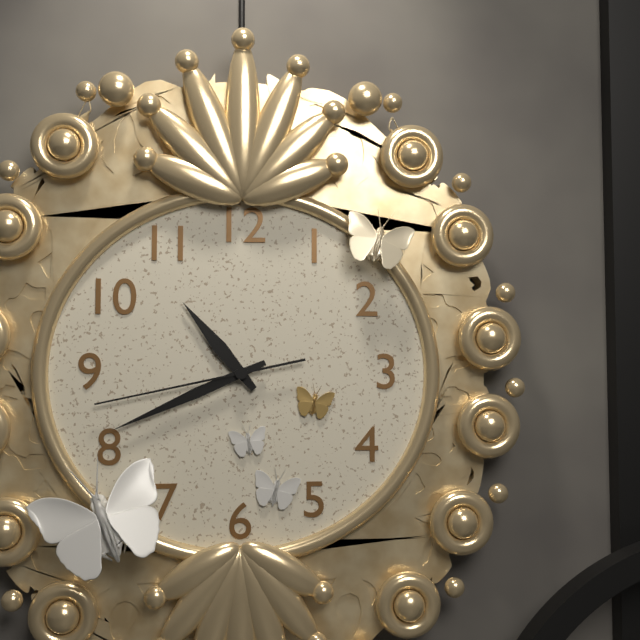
{"hour": 10, "minute": 41, "second": 43}
